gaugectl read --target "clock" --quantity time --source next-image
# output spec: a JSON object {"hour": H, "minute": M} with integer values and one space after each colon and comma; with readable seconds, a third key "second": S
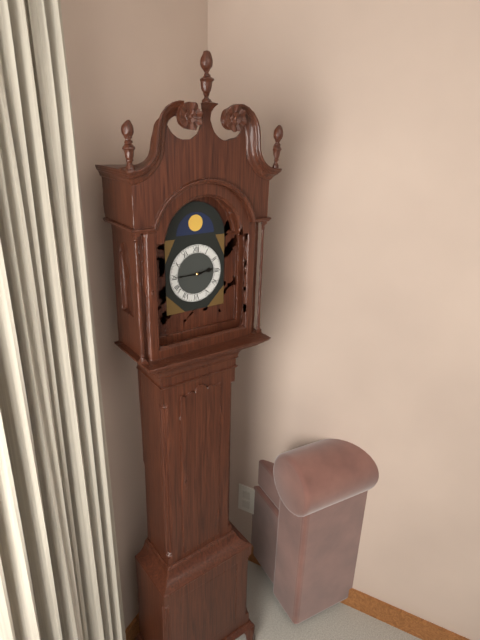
{"hour": 2, "minute": 45}
